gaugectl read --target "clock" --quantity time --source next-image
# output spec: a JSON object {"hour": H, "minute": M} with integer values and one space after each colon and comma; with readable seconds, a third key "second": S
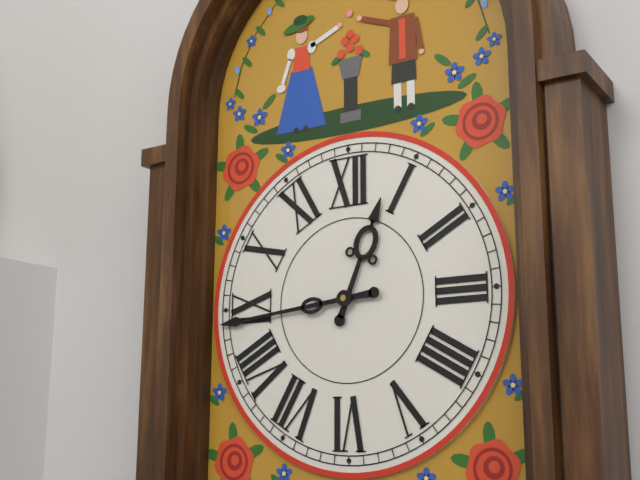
{"hour": 12, "minute": 44}
